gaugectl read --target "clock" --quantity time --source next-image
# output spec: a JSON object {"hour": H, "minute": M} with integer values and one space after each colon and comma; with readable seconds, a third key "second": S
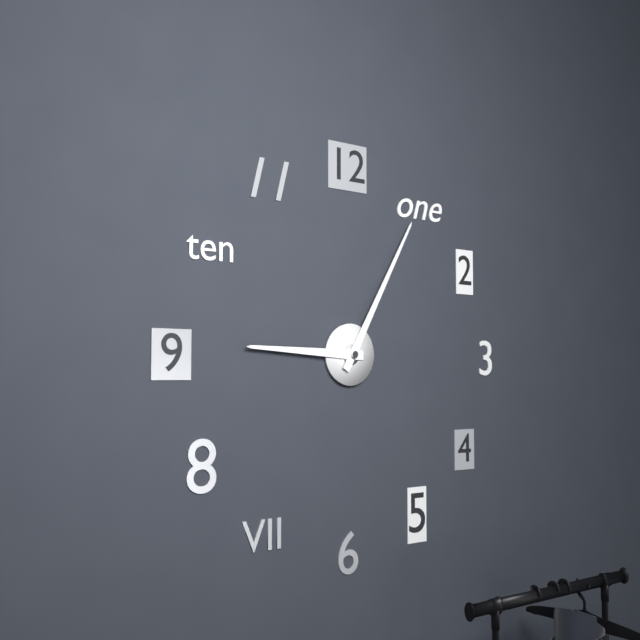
{"hour": 9, "minute": 5}
